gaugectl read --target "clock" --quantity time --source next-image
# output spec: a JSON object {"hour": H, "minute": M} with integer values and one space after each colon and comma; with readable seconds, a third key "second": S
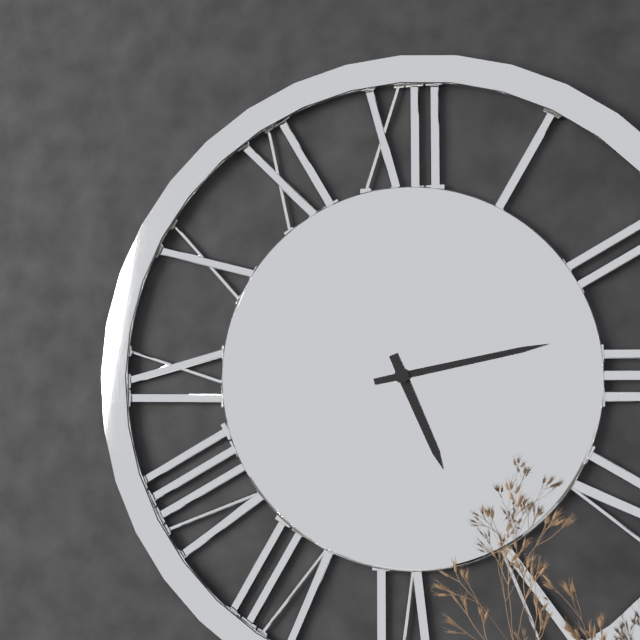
{"hour": 5, "minute": 13}
